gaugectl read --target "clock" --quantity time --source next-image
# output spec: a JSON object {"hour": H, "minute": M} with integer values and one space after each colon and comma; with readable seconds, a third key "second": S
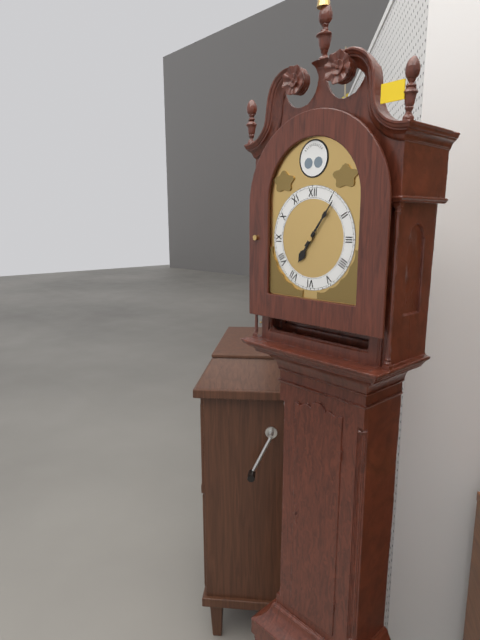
{"hour": 7, "minute": 6}
